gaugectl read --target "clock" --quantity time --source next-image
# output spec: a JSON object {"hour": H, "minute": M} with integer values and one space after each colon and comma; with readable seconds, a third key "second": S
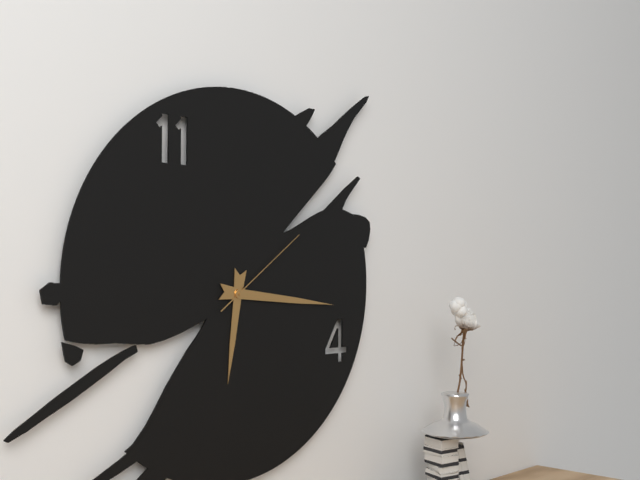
{"hour": 6, "minute": 16, "second": 9}
